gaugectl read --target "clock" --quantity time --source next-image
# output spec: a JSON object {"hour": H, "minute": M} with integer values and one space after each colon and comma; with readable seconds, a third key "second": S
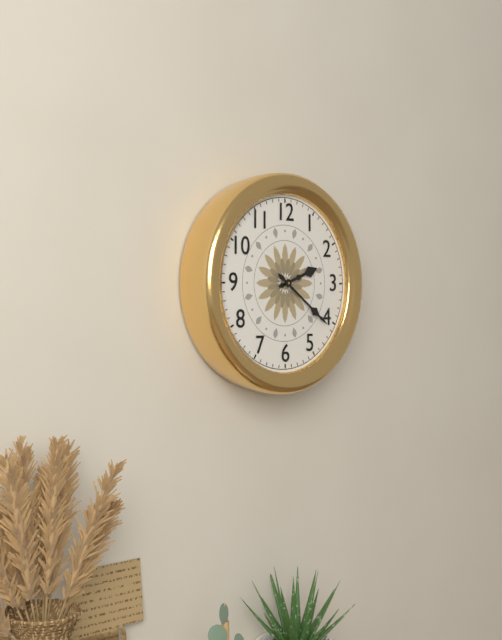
{"hour": 2, "minute": 21}
